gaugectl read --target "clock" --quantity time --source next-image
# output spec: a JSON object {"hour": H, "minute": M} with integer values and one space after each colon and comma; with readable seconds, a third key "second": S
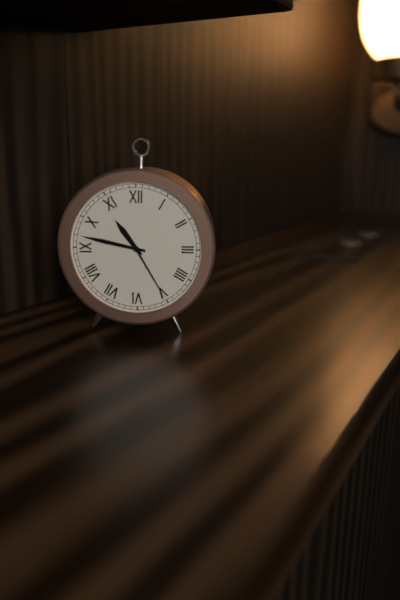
{"hour": 10, "minute": 47, "second": 25}
